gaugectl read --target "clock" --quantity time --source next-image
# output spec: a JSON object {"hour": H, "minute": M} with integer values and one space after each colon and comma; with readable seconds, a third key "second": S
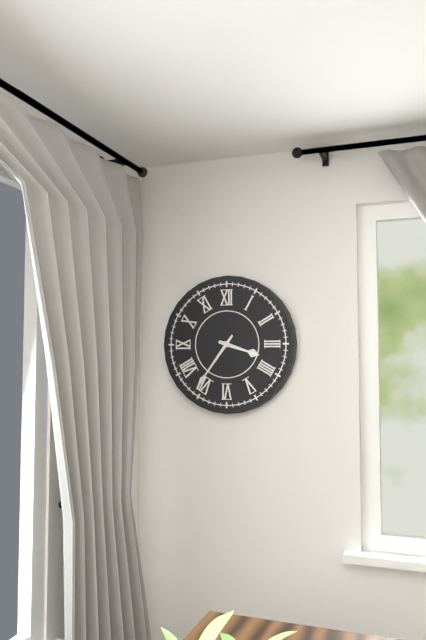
{"hour": 3, "minute": 36}
